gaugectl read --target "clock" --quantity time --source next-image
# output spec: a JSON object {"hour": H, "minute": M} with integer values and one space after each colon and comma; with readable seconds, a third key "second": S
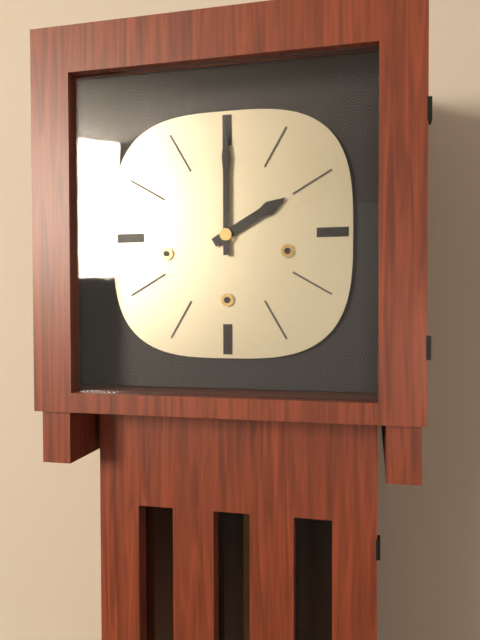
{"hour": 2, "minute": 0}
